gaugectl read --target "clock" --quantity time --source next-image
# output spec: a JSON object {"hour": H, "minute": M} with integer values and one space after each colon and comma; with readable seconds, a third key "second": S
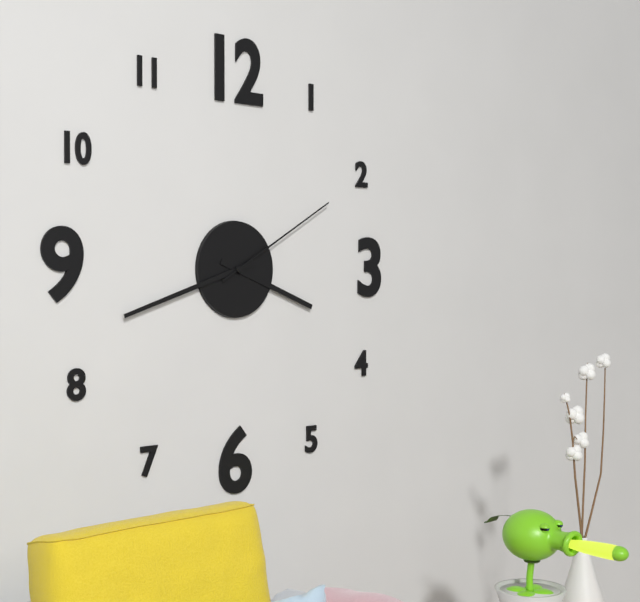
{"hour": 3, "minute": 42, "second": 10}
